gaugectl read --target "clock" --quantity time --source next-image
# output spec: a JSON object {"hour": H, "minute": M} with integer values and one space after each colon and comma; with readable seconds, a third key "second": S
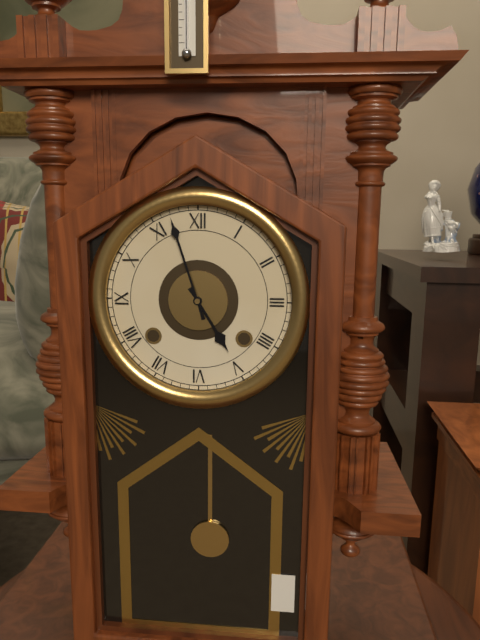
{"hour": 4, "minute": 57}
